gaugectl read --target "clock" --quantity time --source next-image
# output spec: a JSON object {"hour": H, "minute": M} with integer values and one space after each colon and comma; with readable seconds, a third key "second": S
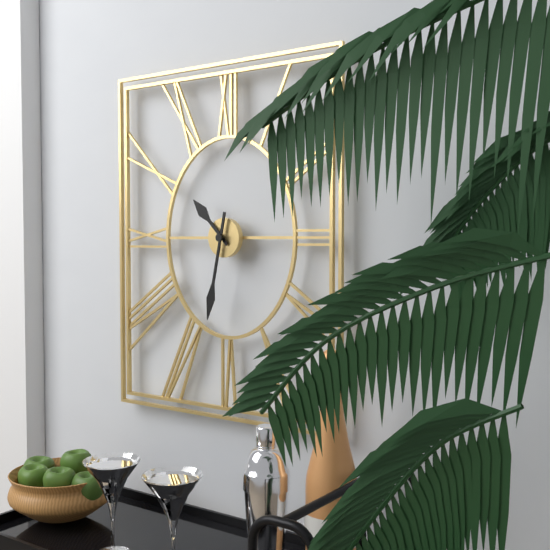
{"hour": 10, "minute": 32}
